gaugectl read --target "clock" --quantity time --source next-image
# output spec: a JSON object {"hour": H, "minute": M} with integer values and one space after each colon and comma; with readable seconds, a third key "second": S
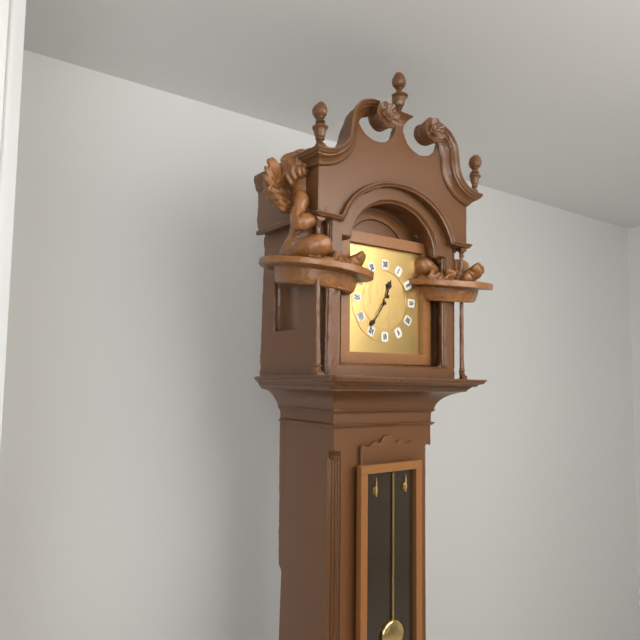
{"hour": 12, "minute": 36}
